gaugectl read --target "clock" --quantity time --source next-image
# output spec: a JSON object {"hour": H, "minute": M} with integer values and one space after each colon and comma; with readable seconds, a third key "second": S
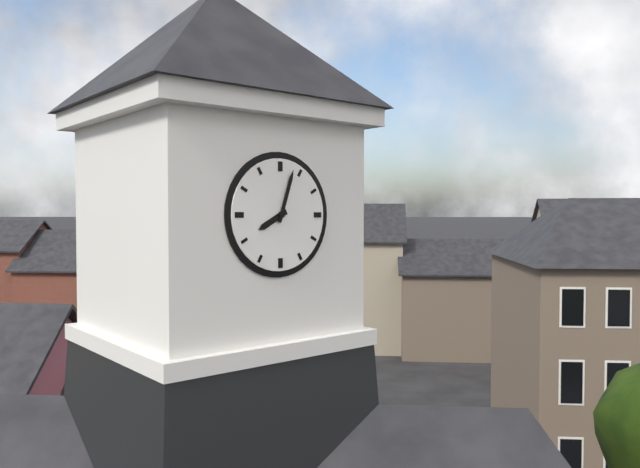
{"hour": 8, "minute": 3}
